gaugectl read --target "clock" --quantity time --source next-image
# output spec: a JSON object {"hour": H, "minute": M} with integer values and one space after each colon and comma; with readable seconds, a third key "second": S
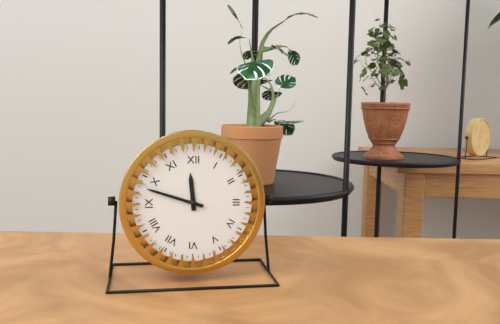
{"hour": 11, "minute": 48}
